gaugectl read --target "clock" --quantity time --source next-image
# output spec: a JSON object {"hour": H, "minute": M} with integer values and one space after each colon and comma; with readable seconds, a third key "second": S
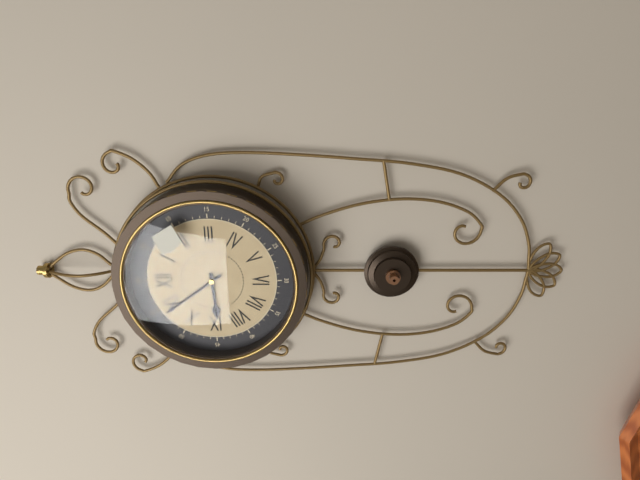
{"hour": 8, "minute": 54}
